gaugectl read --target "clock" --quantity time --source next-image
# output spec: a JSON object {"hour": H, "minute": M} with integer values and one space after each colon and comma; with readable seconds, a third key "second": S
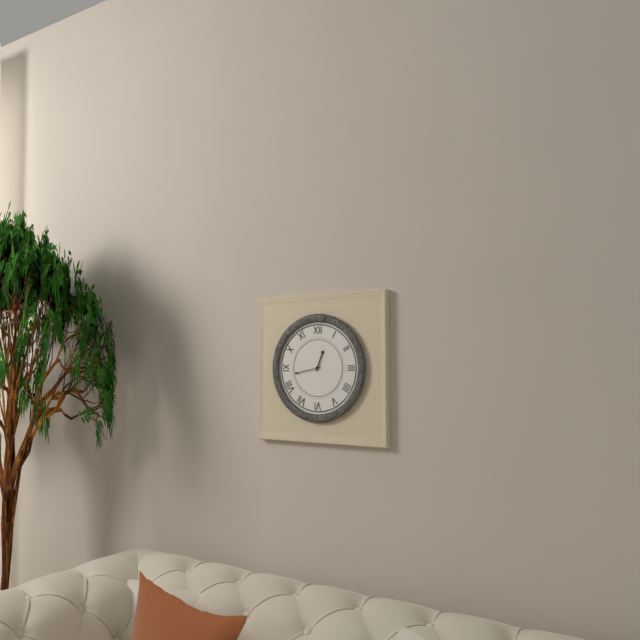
{"hour": 12, "minute": 43}
